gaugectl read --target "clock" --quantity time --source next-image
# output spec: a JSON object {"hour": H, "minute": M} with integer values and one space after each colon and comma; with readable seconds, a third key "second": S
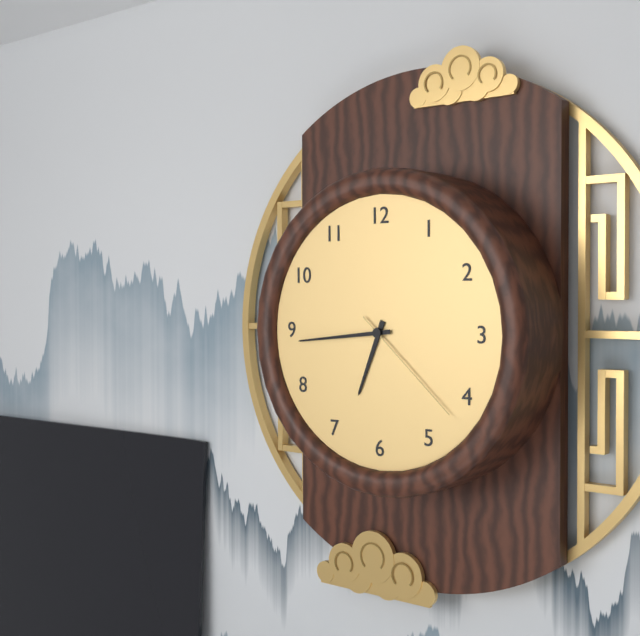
{"hour": 6, "minute": 44, "second": 22}
